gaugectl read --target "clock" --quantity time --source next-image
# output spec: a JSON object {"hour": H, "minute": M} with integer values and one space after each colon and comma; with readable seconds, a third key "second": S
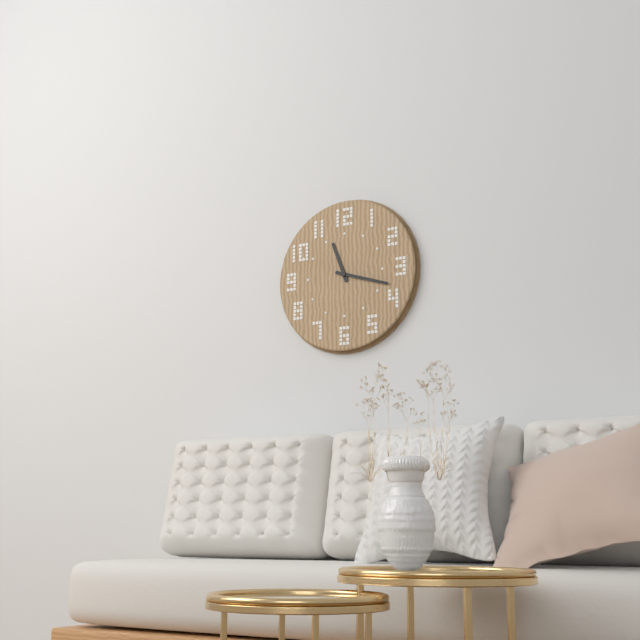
{"hour": 11, "minute": 18}
